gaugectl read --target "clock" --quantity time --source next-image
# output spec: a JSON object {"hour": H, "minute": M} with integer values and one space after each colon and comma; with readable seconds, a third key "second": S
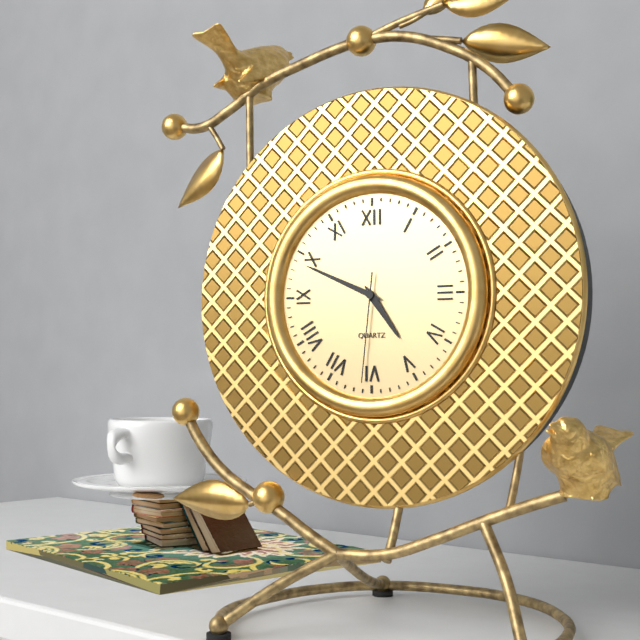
{"hour": 4, "minute": 49, "second": 31}
